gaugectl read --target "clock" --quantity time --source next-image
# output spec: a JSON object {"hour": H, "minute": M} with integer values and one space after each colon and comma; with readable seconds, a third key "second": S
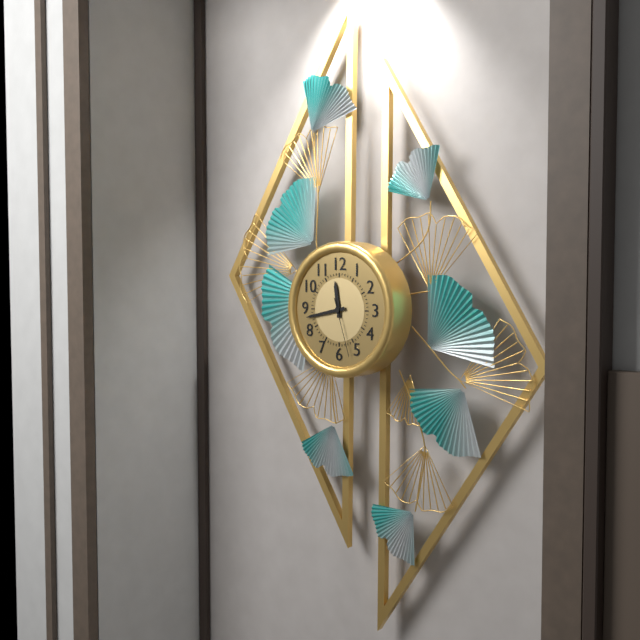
{"hour": 11, "minute": 43, "second": 27}
